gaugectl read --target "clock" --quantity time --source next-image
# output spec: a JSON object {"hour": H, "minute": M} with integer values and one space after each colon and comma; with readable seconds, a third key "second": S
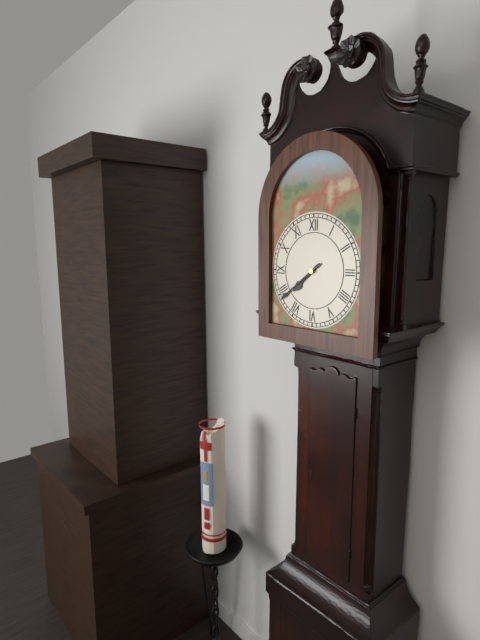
{"hour": 7, "minute": 39}
